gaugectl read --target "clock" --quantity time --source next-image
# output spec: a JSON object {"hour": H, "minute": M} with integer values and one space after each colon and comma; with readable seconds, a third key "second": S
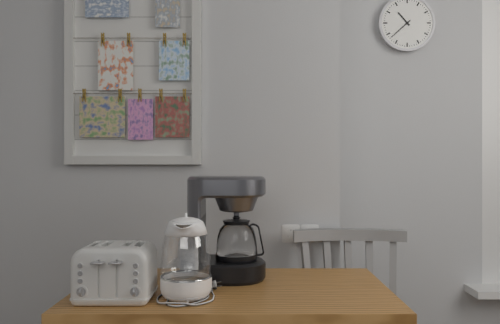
{"hour": 10, "minute": 38}
